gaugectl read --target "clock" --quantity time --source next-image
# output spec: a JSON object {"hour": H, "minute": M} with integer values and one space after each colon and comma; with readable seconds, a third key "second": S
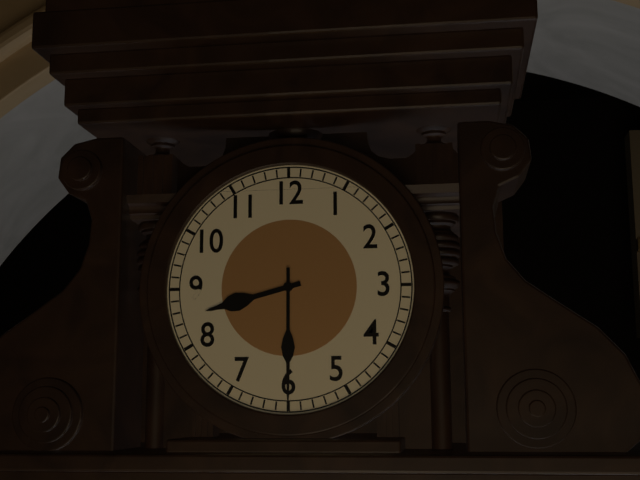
{"hour": 8, "minute": 30}
